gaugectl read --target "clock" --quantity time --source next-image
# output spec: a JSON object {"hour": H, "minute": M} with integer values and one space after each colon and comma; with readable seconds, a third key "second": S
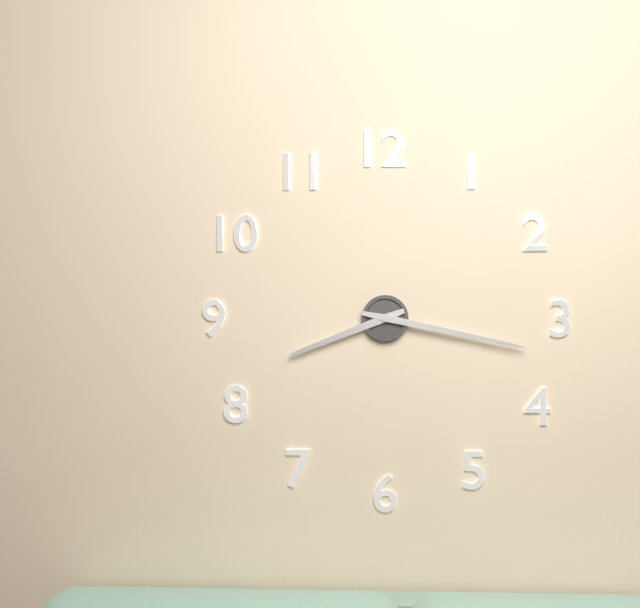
{"hour": 8, "minute": 17}
